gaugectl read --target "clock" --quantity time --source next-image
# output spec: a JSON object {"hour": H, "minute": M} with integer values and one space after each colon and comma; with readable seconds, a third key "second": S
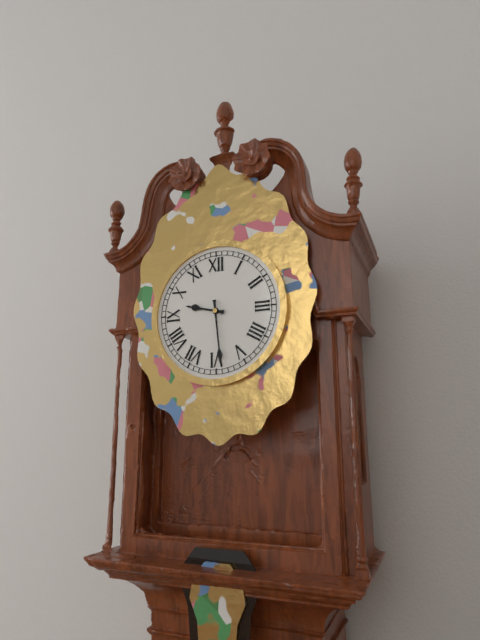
{"hour": 9, "minute": 29}
